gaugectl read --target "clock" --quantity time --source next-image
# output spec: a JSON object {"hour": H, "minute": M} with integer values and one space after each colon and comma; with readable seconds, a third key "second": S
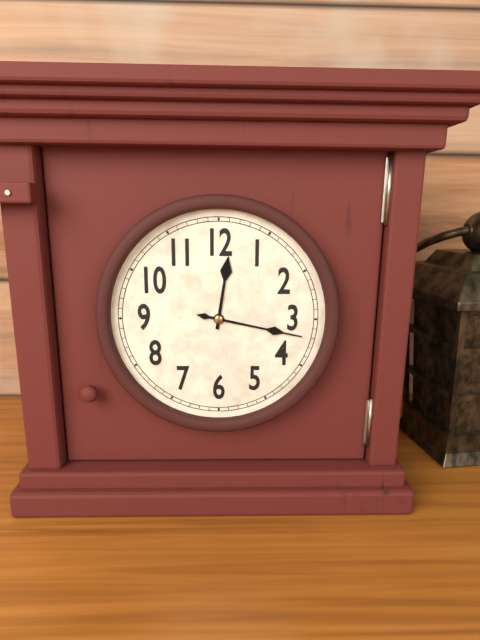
{"hour": 12, "minute": 17}
